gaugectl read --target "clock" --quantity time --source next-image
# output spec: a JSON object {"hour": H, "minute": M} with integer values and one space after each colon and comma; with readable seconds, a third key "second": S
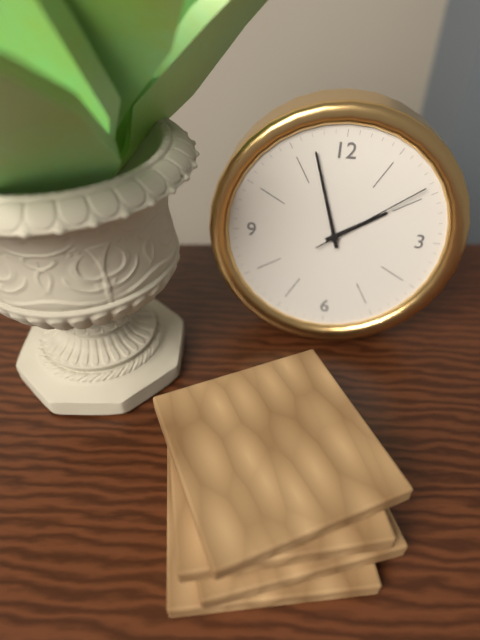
{"hour": 1, "minute": 57, "second": 9}
